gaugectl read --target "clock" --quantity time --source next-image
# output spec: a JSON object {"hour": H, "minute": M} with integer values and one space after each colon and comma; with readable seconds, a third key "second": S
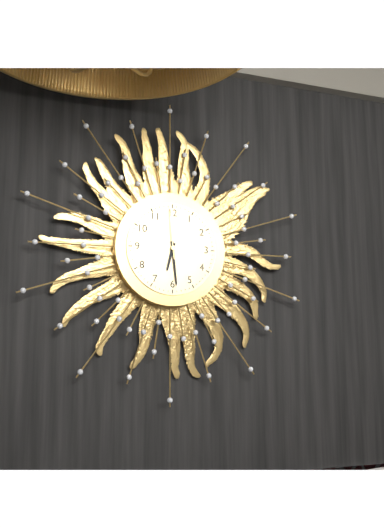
{"hour": 6, "minute": 29, "second": 59}
